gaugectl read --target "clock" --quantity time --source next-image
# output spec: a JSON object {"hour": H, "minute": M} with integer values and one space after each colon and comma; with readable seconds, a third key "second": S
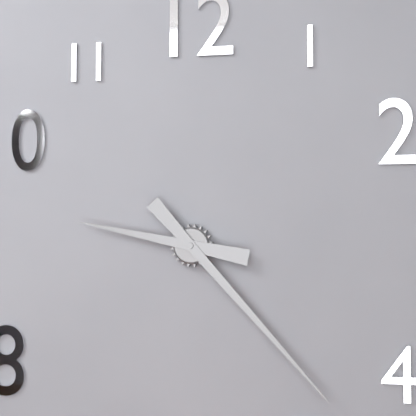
{"hour": 9, "minute": 23}
